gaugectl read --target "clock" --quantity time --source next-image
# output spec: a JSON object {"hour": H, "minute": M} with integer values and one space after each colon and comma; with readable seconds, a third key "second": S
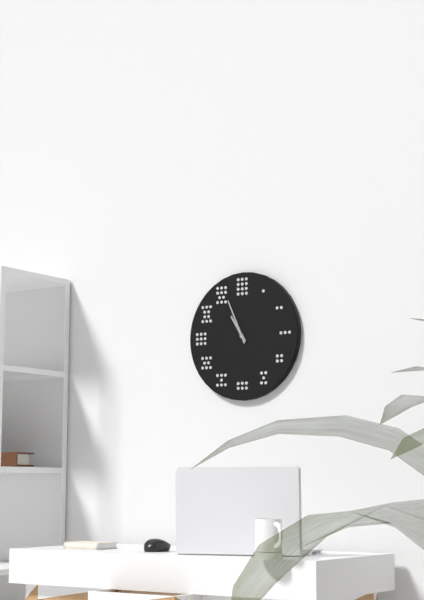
{"hour": 10, "minute": 56}
